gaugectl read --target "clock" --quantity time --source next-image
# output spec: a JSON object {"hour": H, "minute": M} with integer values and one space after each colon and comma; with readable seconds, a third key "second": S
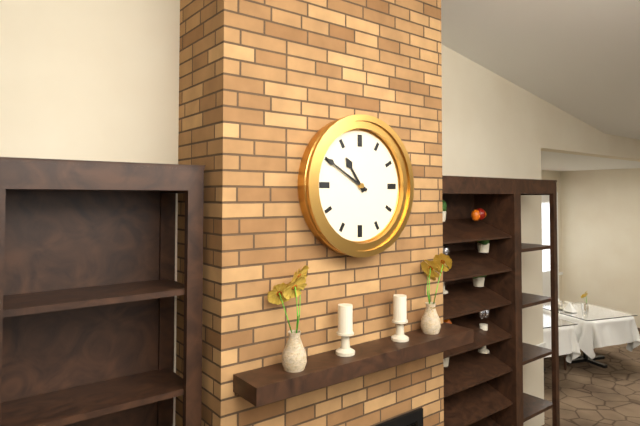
{"hour": 10, "minute": 50}
